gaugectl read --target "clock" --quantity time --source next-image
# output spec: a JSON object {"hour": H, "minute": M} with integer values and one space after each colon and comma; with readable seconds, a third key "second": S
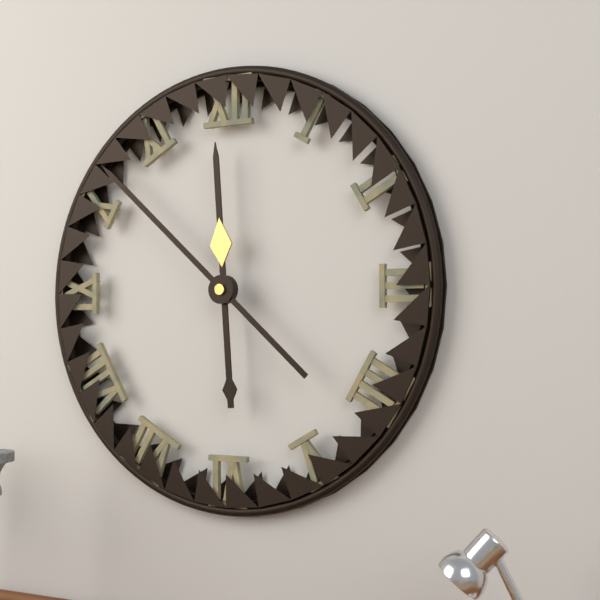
{"hour": 11, "minute": 52}
